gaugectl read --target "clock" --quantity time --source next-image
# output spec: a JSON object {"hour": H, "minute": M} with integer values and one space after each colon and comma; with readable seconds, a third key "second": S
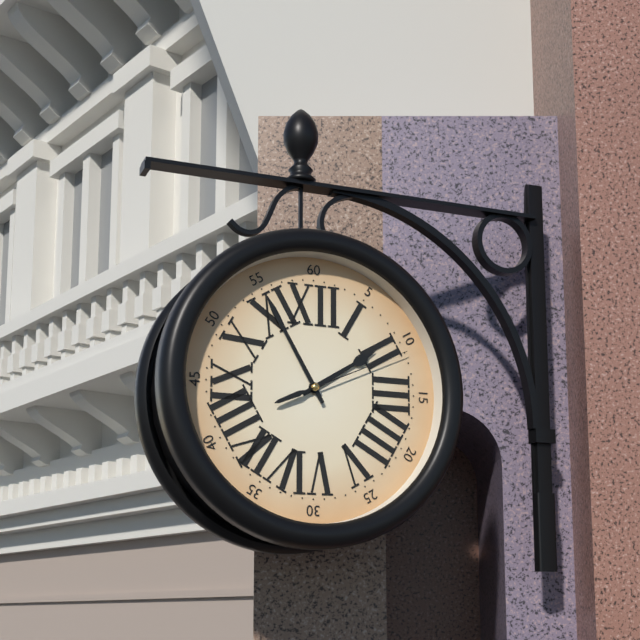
{"hour": 1, "minute": 55, "second": 11}
